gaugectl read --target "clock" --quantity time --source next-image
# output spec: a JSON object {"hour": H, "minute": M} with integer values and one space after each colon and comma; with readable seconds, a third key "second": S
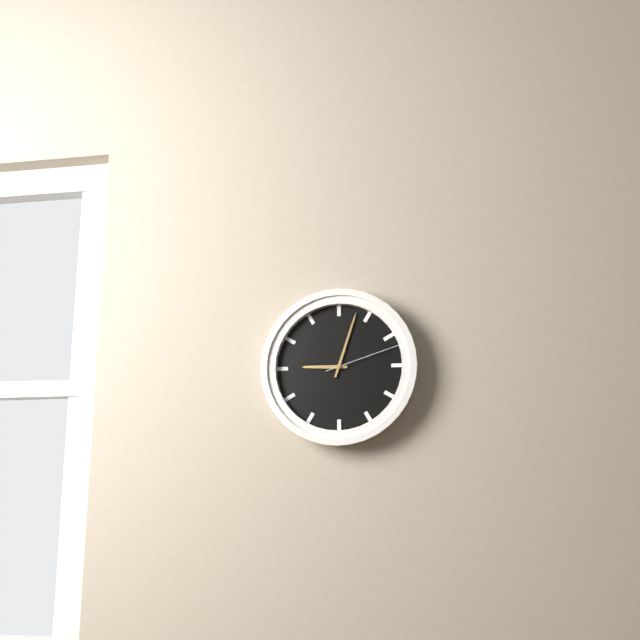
{"hour": 9, "minute": 3, "second": 12}
